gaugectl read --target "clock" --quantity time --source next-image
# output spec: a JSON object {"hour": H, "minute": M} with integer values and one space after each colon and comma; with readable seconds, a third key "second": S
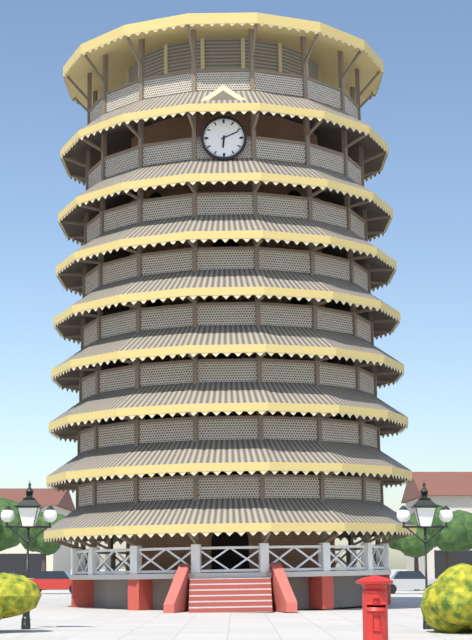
{"hour": 6, "minute": 11}
